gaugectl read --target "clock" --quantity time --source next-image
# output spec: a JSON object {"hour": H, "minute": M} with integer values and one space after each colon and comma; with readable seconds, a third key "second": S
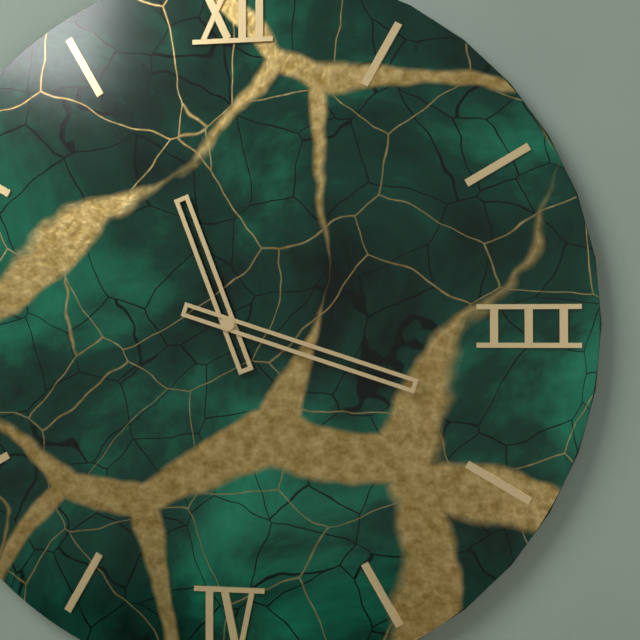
{"hour": 11, "minute": 18}
